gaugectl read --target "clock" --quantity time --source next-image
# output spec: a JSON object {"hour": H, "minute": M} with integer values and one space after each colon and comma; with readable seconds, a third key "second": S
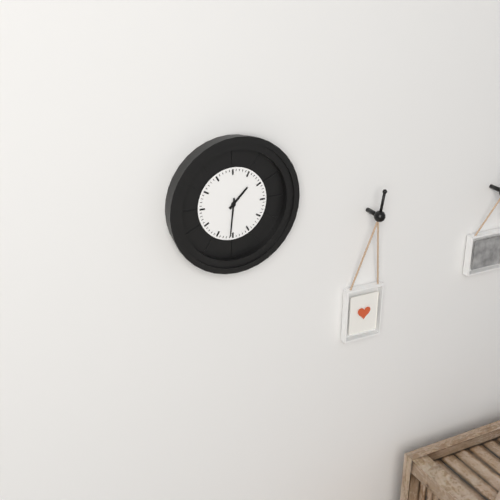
{"hour": 1, "minute": 31}
